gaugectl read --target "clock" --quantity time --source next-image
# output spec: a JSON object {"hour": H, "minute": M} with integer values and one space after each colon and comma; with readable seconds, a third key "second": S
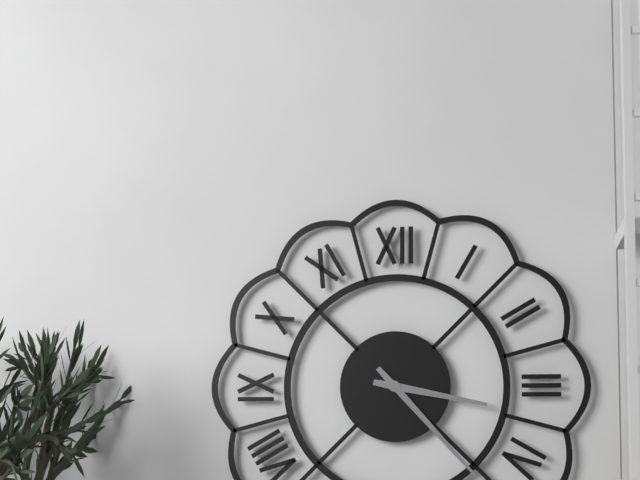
{"hour": 3, "minute": 23}
